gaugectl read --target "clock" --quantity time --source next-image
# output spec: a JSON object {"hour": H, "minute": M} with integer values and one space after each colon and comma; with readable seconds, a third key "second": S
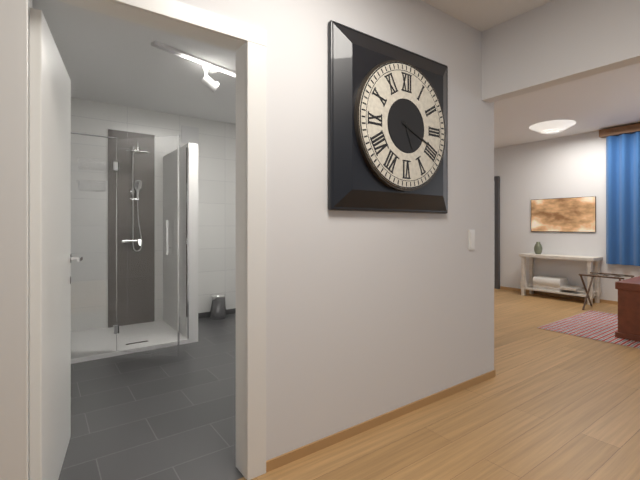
{"hour": 5, "minute": 19}
